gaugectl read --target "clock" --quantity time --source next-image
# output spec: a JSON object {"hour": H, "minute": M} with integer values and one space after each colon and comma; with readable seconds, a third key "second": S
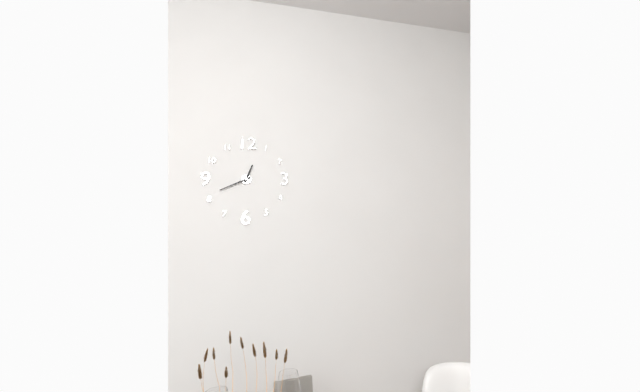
{"hour": 12, "minute": 41}
